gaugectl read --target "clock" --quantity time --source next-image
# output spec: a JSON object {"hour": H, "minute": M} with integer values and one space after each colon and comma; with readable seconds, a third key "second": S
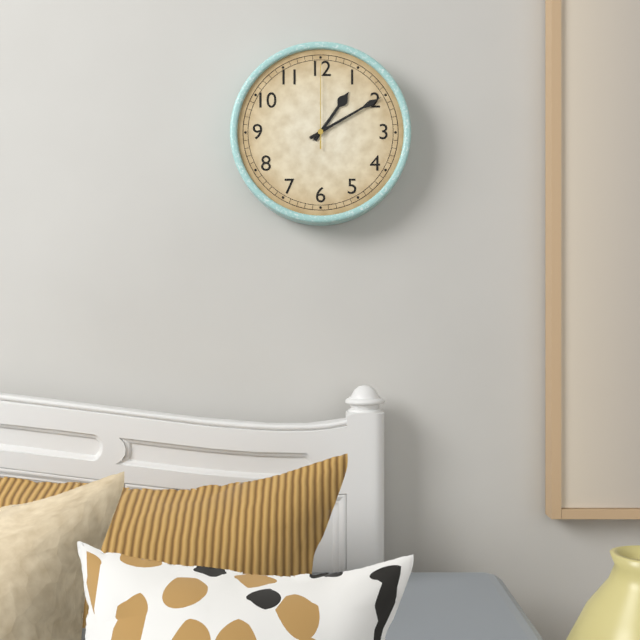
{"hour": 1, "minute": 10, "second": 0}
